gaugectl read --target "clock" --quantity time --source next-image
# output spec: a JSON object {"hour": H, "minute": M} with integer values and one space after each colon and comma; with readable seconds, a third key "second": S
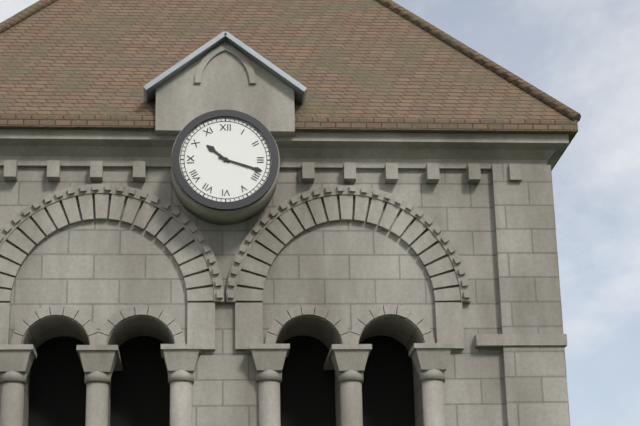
{"hour": 10, "minute": 18}
